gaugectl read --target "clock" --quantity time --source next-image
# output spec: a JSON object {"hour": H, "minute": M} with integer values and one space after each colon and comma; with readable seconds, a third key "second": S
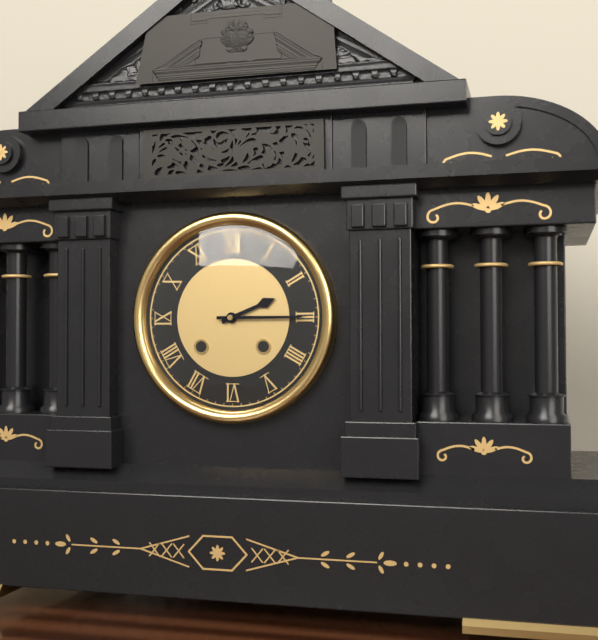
{"hour": 2, "minute": 15}
